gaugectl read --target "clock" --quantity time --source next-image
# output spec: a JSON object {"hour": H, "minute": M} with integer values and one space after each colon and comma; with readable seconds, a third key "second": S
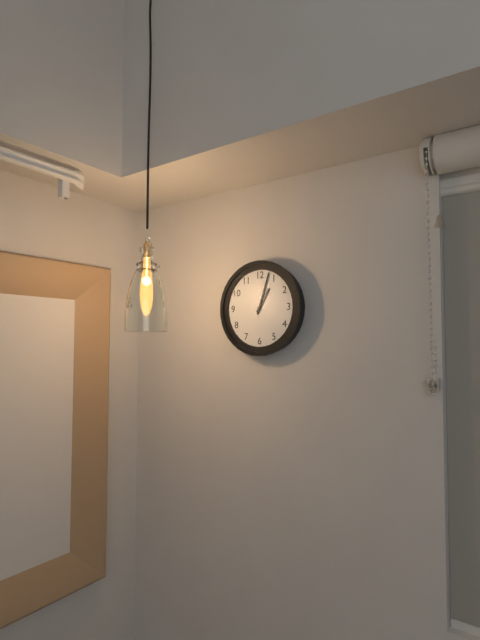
{"hour": 1, "minute": 3}
